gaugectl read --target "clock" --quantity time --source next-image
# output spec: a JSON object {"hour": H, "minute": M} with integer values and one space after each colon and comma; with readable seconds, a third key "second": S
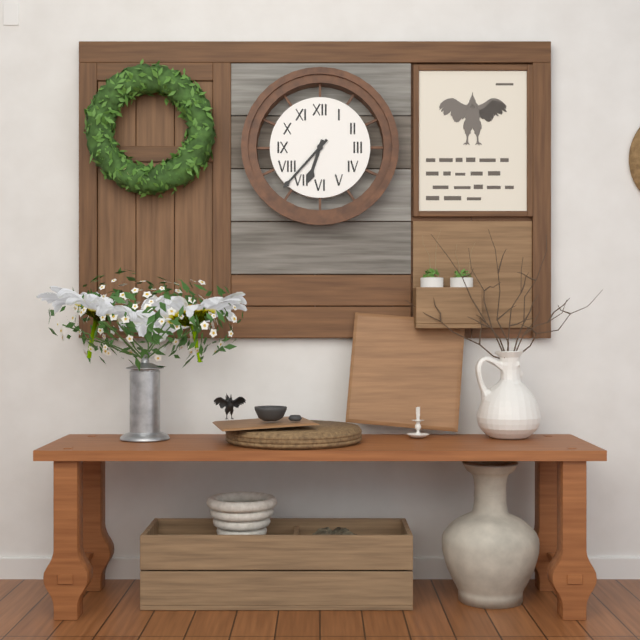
{"hour": 6, "minute": 37}
